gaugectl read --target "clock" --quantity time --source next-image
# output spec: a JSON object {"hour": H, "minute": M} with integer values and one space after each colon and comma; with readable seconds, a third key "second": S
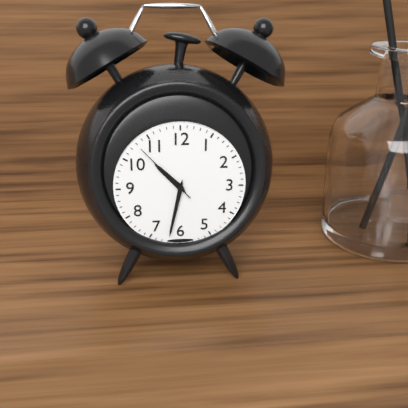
{"hour": 10, "minute": 32, "second": 53}
